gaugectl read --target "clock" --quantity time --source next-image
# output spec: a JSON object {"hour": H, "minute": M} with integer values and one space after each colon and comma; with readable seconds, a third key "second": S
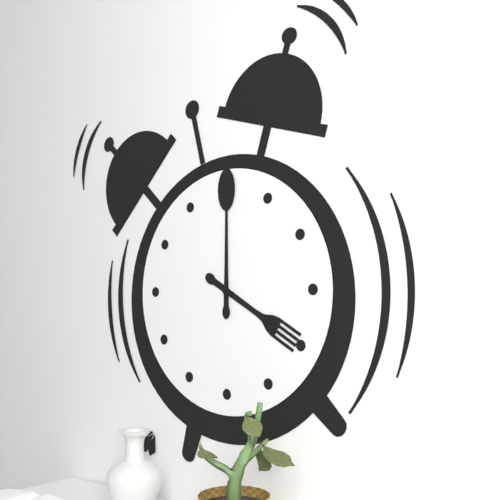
{"hour": 4, "minute": 0}
